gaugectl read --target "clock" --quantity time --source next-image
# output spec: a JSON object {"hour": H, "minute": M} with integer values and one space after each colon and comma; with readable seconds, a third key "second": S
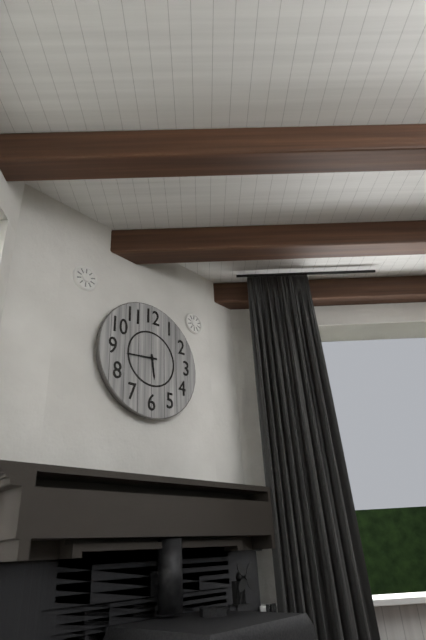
{"hour": 5, "minute": 44}
